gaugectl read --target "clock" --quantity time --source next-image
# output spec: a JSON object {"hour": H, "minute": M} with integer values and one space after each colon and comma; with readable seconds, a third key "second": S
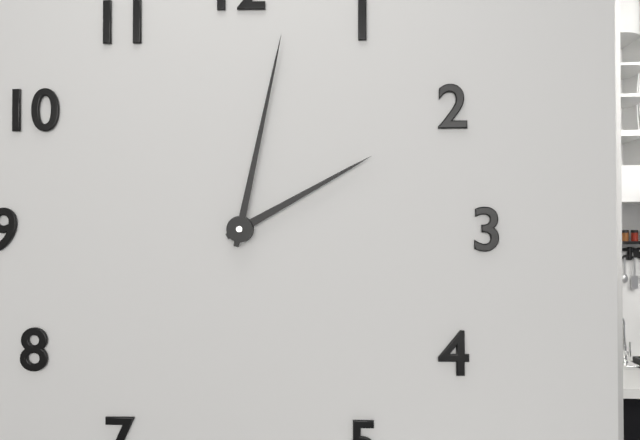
{"hour": 2, "minute": 2}
